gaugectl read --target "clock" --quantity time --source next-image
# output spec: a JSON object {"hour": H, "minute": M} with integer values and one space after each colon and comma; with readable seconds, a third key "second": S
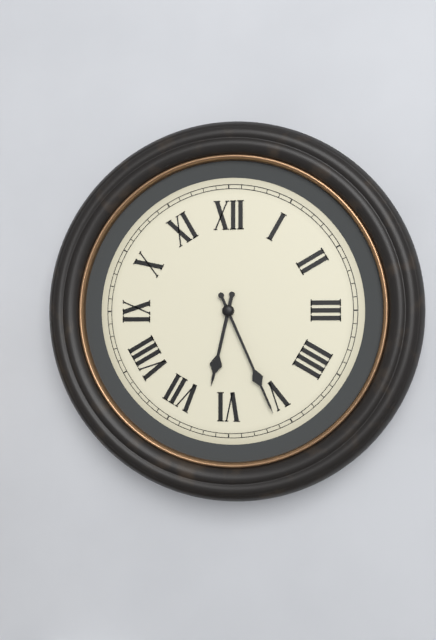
{"hour": 6, "minute": 26}
